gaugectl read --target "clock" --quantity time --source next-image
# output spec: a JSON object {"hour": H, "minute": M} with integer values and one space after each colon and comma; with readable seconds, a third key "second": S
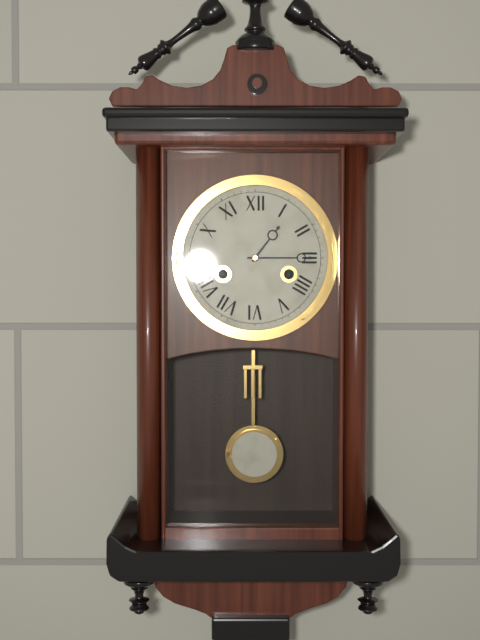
{"hour": 1, "minute": 15}
